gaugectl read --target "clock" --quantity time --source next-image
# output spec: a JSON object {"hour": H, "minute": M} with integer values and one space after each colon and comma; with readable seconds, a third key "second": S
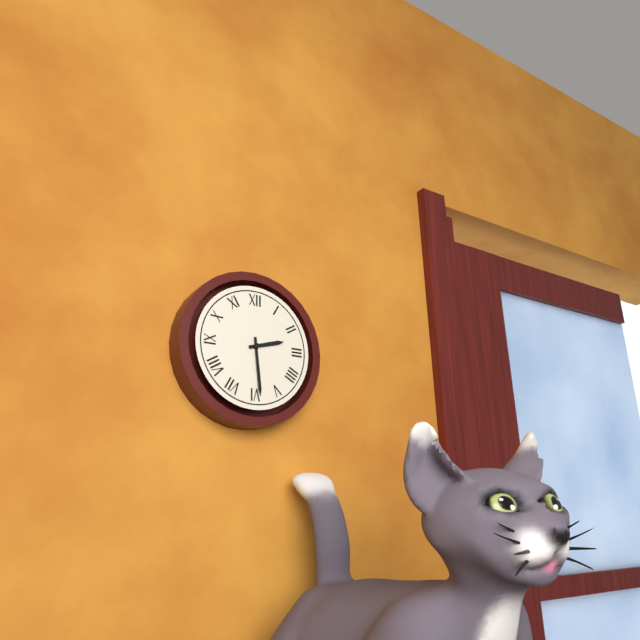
{"hour": 2, "minute": 29}
